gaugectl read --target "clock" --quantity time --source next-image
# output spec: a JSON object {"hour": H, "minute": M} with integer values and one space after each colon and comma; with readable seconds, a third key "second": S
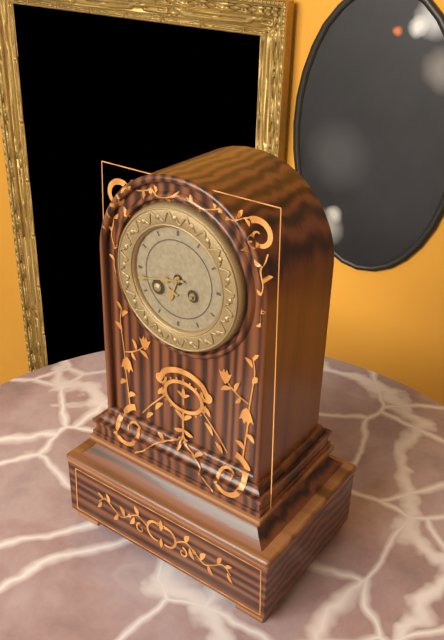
{"hour": 6, "minute": 43}
